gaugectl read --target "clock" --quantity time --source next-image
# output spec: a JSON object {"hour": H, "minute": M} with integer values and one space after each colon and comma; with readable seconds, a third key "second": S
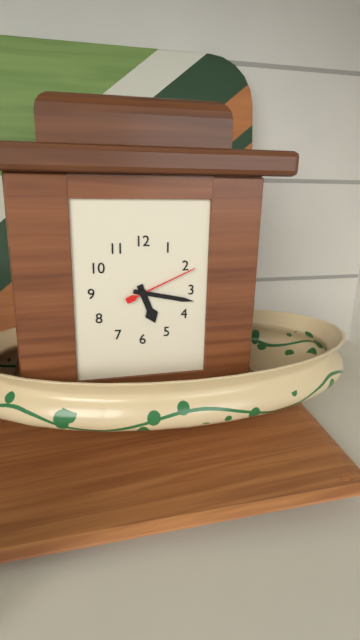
{"hour": 5, "minute": 17, "second": 11}
